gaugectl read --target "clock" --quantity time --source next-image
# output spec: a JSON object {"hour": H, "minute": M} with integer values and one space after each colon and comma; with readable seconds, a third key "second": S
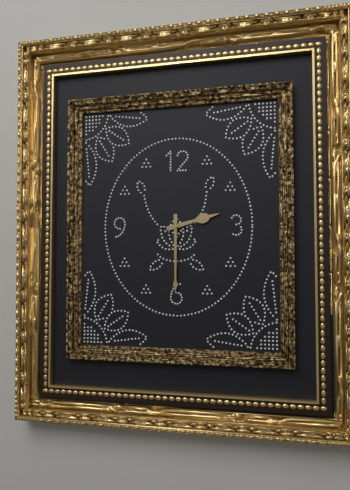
{"hour": 2, "minute": 30}
